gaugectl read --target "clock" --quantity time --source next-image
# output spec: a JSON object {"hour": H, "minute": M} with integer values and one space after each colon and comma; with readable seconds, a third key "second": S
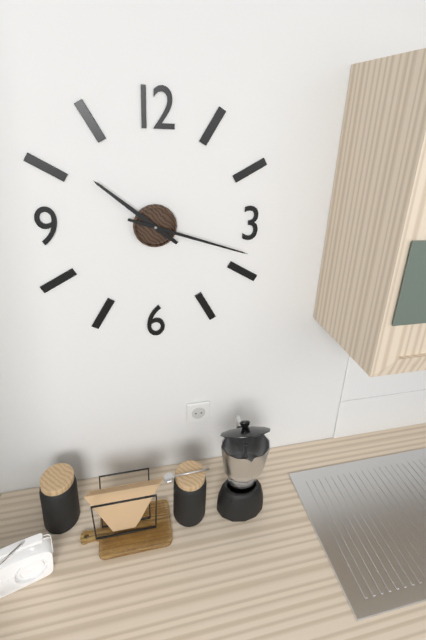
{"hour": 10, "minute": 18}
